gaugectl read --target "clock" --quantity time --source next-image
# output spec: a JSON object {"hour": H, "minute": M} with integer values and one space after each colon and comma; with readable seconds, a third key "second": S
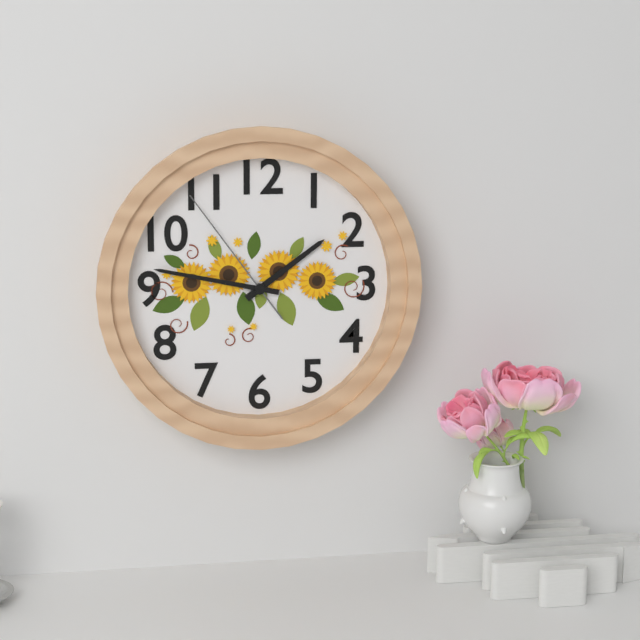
{"hour": 1, "minute": 47, "second": 54}
